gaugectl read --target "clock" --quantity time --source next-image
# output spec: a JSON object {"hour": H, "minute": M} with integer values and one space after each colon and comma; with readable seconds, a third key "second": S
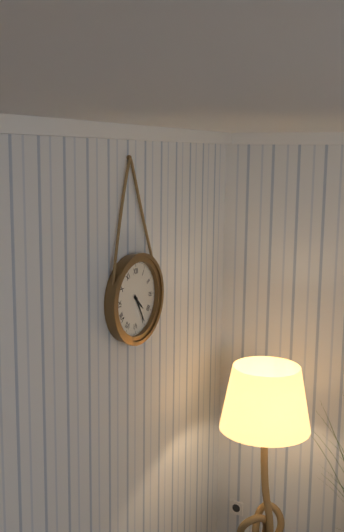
{"hour": 4, "minute": 25}
